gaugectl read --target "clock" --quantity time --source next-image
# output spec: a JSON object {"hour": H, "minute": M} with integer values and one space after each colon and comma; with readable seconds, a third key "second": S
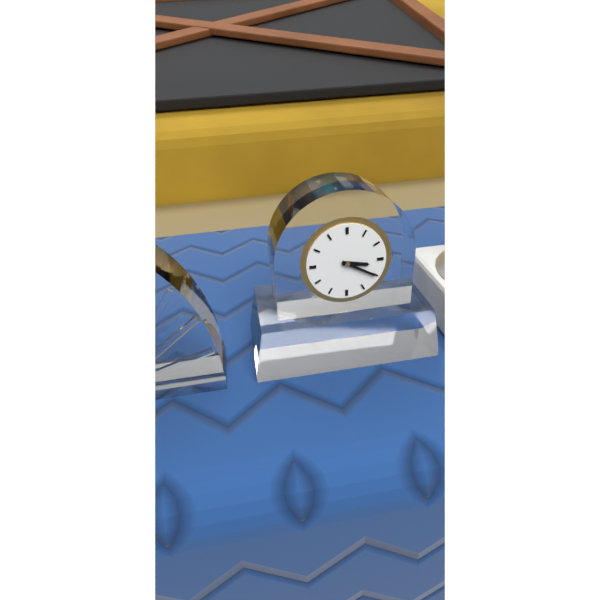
{"hour": 3, "minute": 20}
